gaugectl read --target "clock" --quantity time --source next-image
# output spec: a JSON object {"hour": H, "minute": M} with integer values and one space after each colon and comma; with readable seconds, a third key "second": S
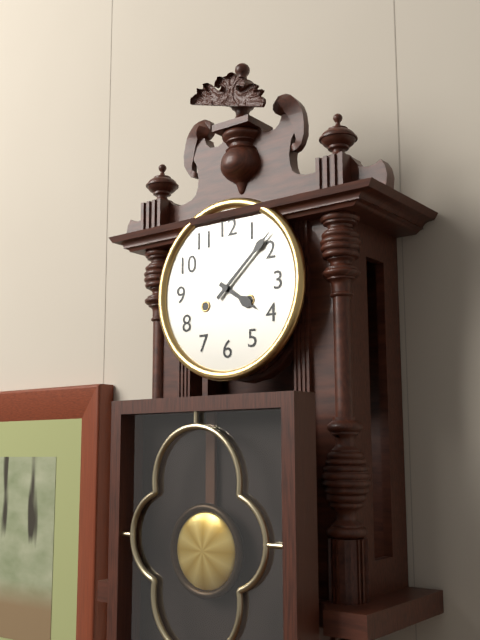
{"hour": 4, "minute": 8}
